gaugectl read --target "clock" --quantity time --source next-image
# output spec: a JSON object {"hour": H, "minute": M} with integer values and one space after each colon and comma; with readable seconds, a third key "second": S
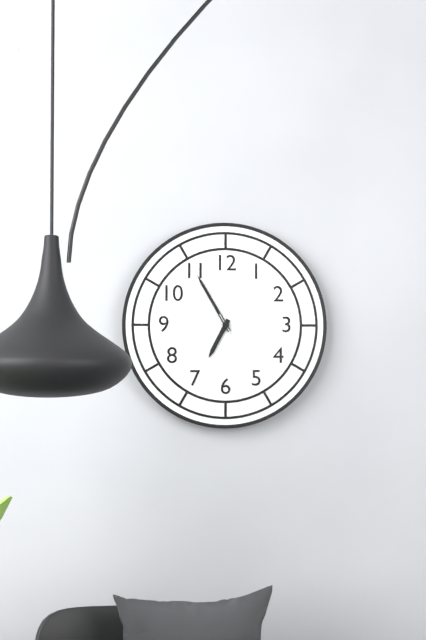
{"hour": 6, "minute": 55, "second": 25}
